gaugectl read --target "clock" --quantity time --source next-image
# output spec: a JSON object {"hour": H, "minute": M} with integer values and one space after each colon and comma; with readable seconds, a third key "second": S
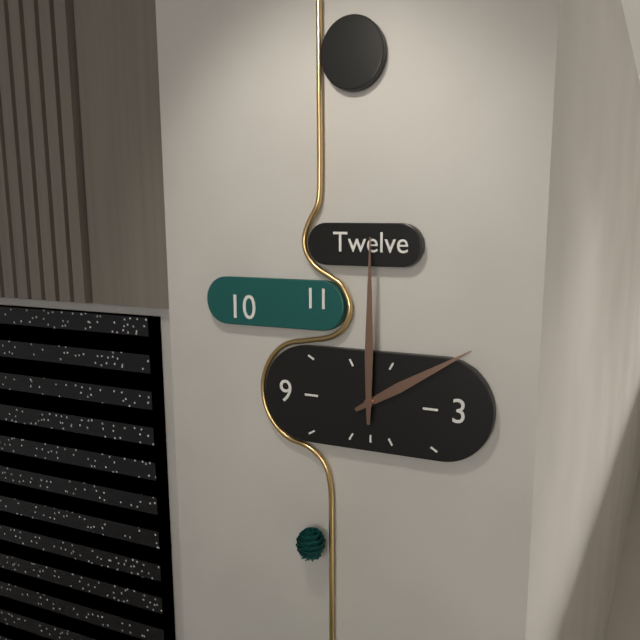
{"hour": 2, "minute": 0}
